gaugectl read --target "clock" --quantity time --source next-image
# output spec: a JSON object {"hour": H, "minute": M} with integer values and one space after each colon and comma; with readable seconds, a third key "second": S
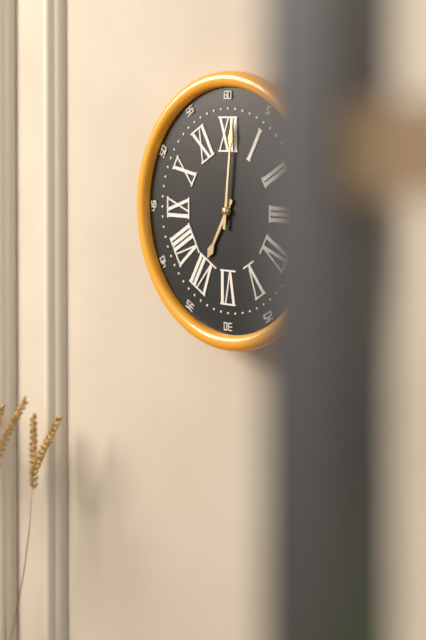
{"hour": 7, "minute": 1}
